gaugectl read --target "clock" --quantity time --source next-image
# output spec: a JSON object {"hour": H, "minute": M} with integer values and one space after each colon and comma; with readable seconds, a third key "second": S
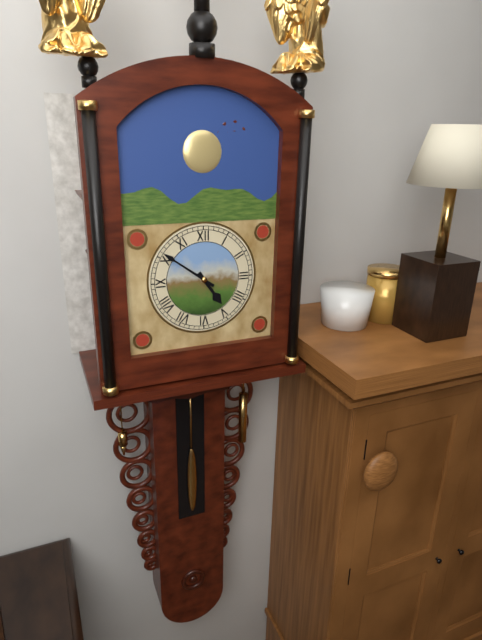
{"hour": 4, "minute": 51}
